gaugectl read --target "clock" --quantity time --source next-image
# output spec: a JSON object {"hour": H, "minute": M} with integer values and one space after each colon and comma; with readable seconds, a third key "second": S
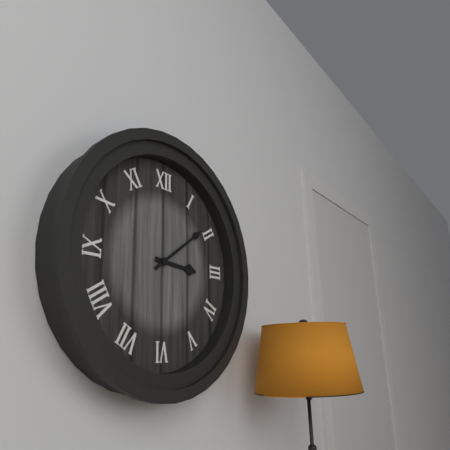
{"hour": 3, "minute": 9}
